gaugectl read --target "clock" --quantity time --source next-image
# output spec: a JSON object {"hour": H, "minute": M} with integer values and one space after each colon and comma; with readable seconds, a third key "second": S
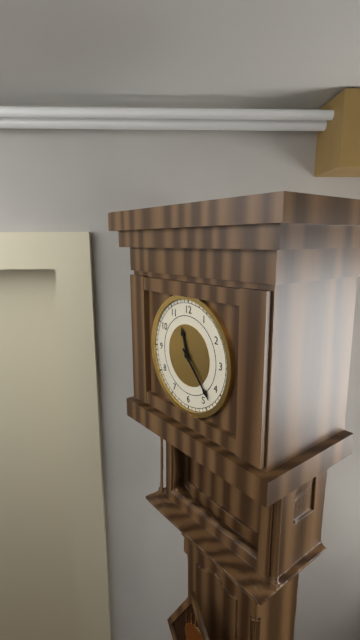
{"hour": 11, "minute": 23}
